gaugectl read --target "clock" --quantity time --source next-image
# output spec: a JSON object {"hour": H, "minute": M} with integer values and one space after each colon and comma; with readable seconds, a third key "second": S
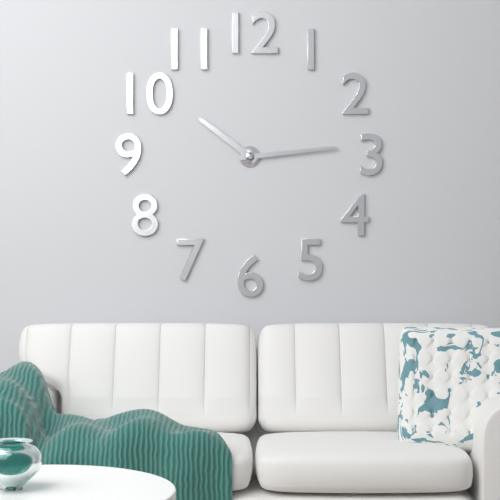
{"hour": 10, "minute": 14}
